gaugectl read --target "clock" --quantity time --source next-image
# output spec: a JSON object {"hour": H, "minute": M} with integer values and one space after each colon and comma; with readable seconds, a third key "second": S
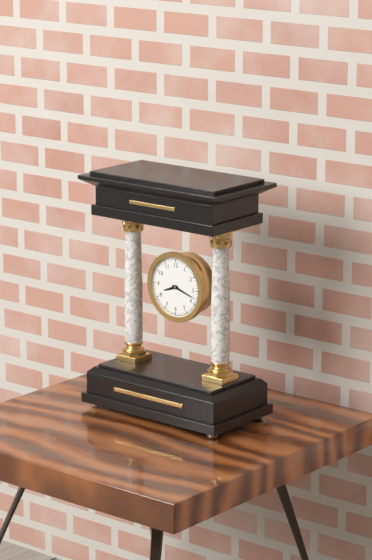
{"hour": 8, "minute": 18}
